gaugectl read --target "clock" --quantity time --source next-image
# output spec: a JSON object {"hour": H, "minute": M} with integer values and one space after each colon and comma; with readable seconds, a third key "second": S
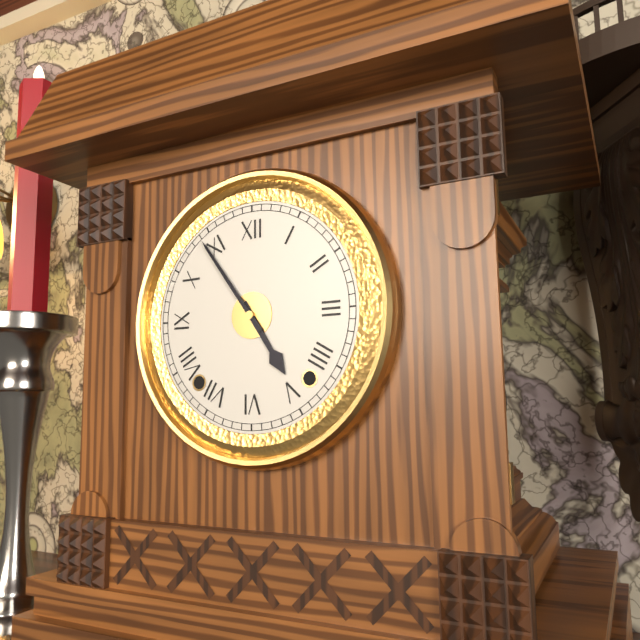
{"hour": 4, "minute": 54}
